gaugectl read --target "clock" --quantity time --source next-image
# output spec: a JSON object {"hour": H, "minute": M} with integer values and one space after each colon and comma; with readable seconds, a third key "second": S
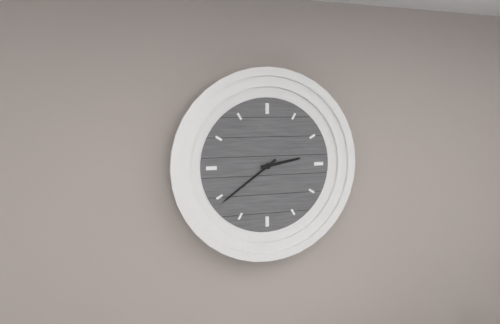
{"hour": 2, "minute": 39}
